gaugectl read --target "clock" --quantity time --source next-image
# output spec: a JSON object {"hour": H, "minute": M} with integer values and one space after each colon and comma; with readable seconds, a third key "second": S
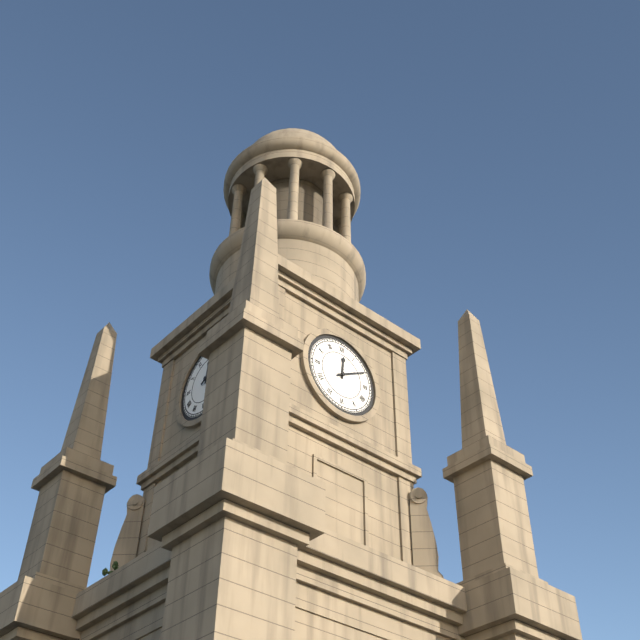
{"hour": 12, "minute": 10}
